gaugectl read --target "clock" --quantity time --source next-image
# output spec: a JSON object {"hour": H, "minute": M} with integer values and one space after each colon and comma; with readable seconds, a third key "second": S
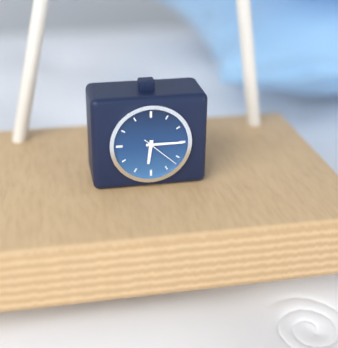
{"hour": 6, "minute": 15}
